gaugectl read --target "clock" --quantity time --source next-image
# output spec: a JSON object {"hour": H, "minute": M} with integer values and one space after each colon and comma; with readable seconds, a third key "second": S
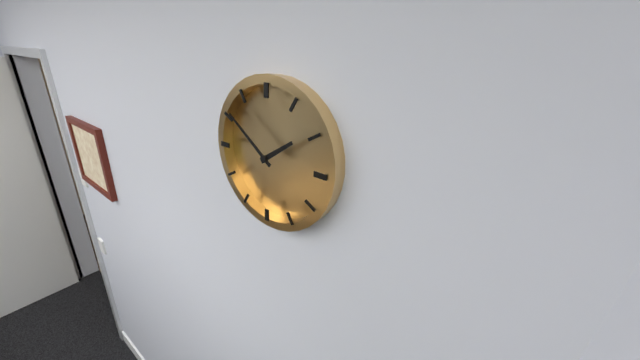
{"hour": 1, "minute": 51}
